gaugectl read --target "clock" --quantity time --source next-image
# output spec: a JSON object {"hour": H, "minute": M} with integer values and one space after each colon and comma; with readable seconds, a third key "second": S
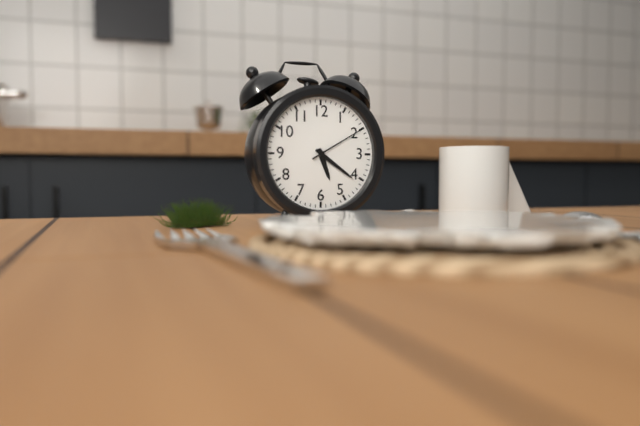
{"hour": 5, "minute": 21, "second": 10}
